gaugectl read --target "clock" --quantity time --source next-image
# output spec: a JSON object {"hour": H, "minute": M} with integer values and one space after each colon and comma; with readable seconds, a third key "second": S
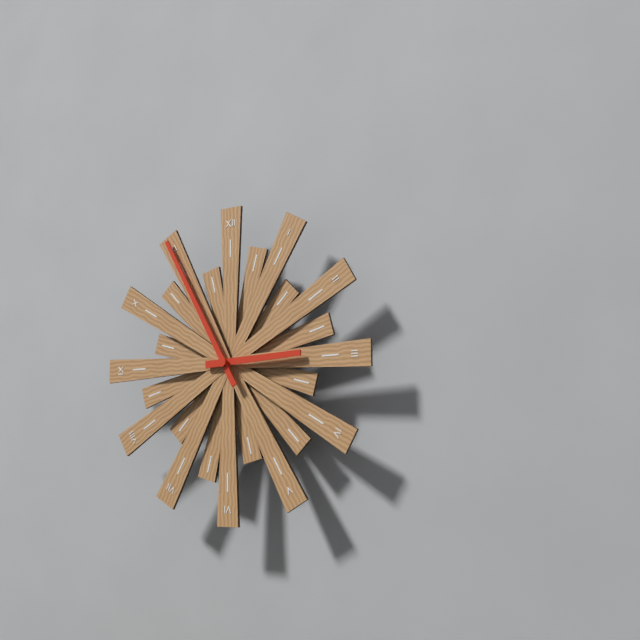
{"hour": 2, "minute": 55}
